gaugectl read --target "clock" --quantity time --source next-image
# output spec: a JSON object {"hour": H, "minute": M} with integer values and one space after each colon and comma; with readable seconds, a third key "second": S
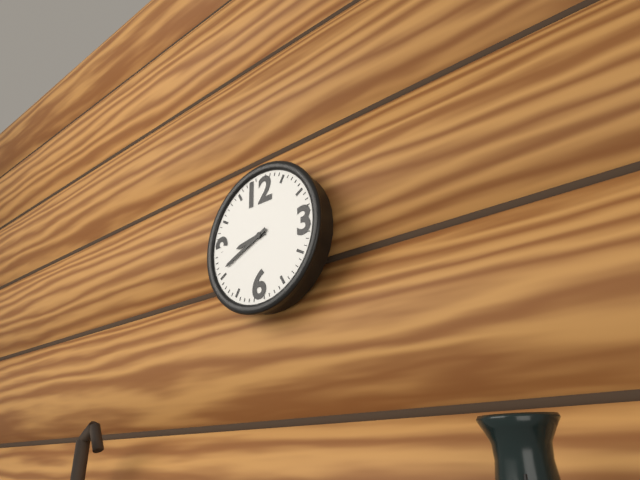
{"hour": 8, "minute": 41}
